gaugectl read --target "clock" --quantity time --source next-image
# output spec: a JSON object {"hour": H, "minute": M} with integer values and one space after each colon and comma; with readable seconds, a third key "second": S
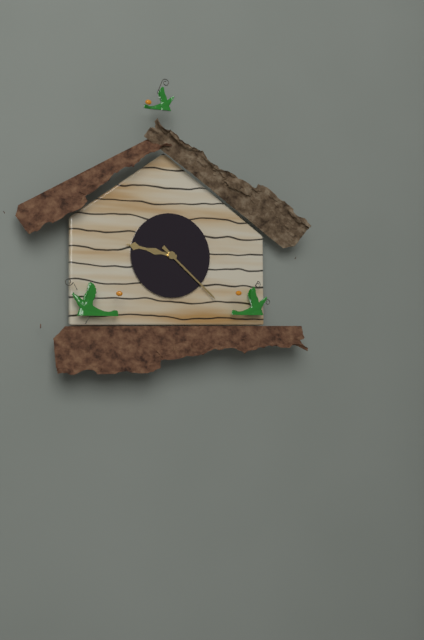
{"hour": 9, "minute": 22}
